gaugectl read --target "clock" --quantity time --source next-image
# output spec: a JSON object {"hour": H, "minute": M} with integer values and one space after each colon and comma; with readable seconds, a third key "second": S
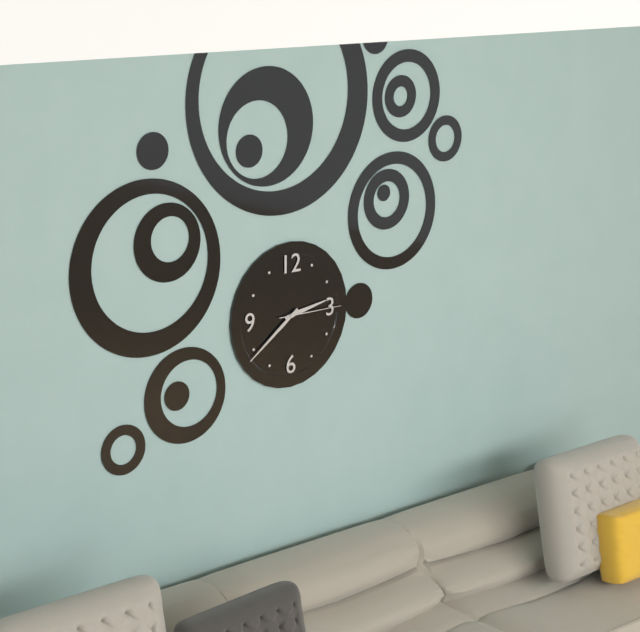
{"hour": 2, "minute": 39, "second": 15}
